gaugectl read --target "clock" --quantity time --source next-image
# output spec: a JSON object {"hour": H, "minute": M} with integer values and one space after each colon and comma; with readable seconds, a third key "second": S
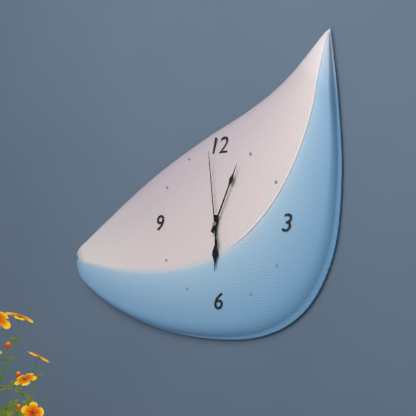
{"hour": 6, "minute": 4, "second": 59}
